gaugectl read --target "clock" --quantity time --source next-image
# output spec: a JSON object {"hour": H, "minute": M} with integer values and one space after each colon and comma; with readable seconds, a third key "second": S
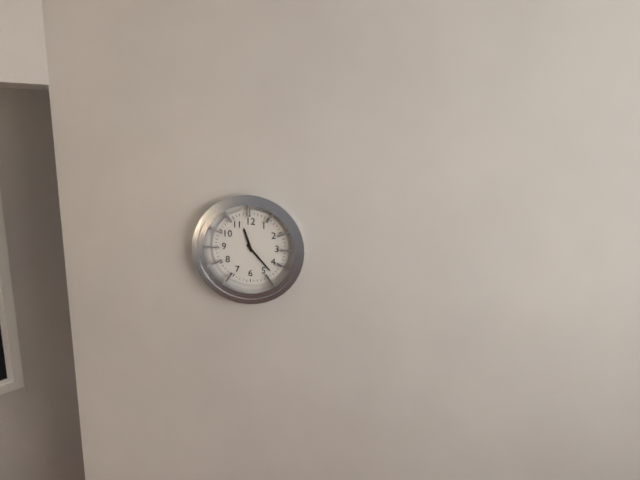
{"hour": 11, "minute": 23}
